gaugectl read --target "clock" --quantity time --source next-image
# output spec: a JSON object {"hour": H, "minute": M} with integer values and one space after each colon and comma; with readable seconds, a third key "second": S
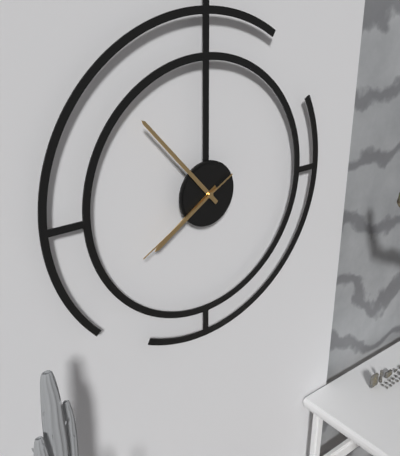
{"hour": 7, "minute": 53, "second": 40}
